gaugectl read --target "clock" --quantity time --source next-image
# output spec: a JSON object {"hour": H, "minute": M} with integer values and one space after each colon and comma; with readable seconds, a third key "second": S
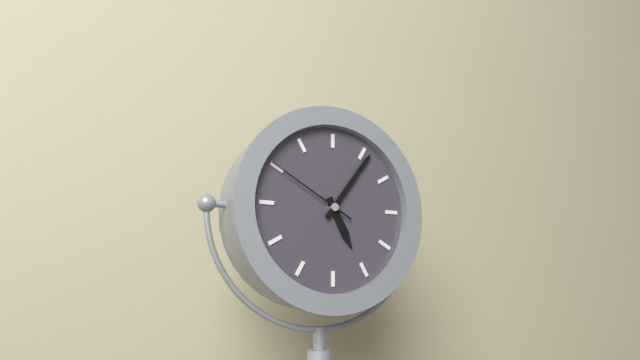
{"hour": 5, "minute": 6, "second": 50}
